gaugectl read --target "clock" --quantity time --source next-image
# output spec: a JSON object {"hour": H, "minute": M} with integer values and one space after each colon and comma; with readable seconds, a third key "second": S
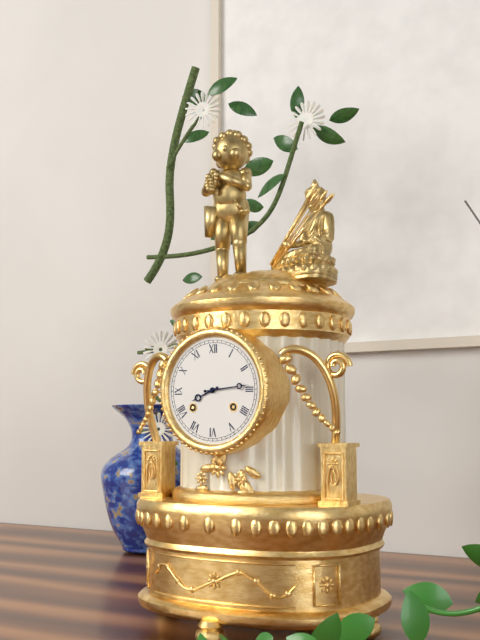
{"hour": 8, "minute": 14}
